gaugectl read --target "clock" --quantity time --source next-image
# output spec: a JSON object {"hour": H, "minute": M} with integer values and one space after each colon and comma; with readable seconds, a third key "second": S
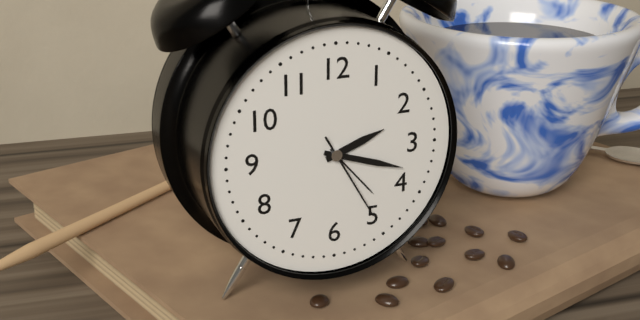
{"hour": 2, "minute": 18, "second": 25}
